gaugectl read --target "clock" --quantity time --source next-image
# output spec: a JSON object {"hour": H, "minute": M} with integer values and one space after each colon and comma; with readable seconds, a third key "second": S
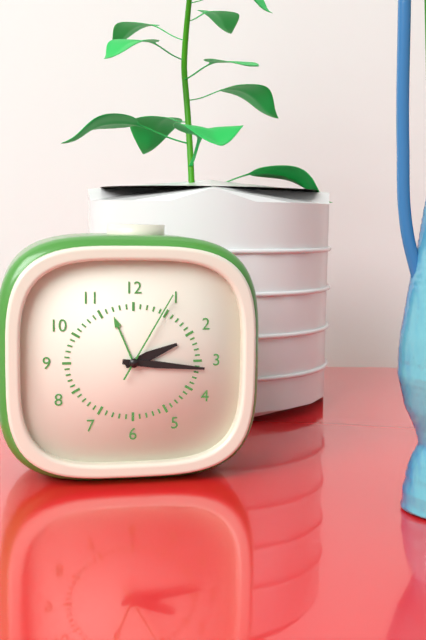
{"hour": 2, "minute": 16, "second": 5}
